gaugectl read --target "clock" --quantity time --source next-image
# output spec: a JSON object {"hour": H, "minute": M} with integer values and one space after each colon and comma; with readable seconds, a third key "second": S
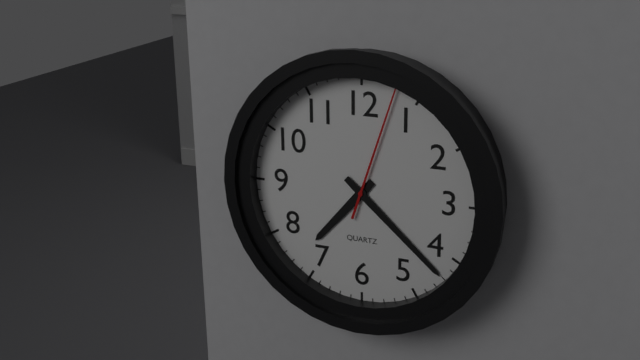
{"hour": 7, "minute": 22, "second": 3}
